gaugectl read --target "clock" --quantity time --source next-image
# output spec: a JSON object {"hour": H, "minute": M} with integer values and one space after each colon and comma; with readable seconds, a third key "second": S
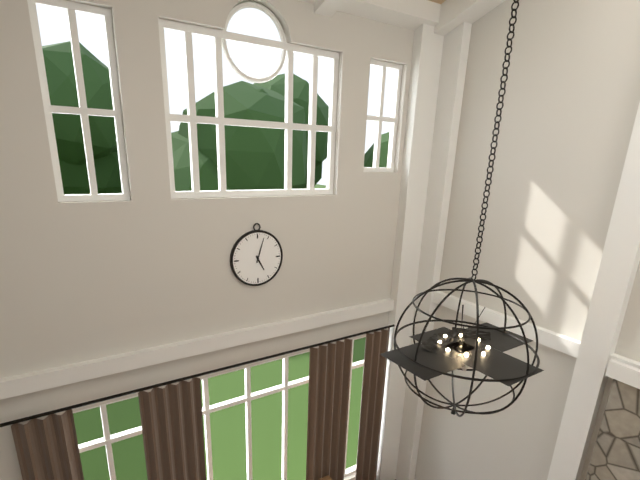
{"hour": 5, "minute": 3}
